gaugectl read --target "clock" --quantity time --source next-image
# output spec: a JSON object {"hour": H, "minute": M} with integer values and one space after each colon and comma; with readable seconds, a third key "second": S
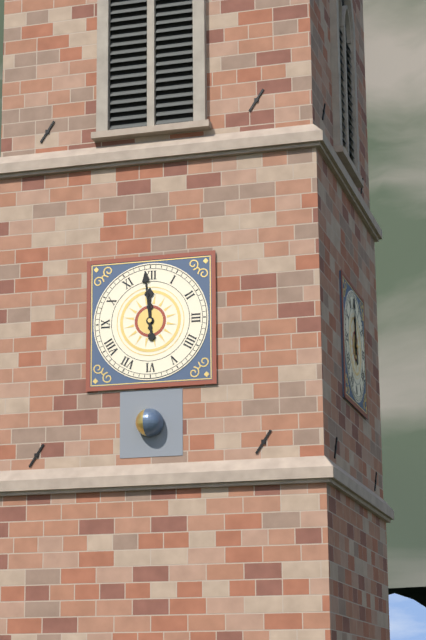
{"hour": 11, "minute": 59}
